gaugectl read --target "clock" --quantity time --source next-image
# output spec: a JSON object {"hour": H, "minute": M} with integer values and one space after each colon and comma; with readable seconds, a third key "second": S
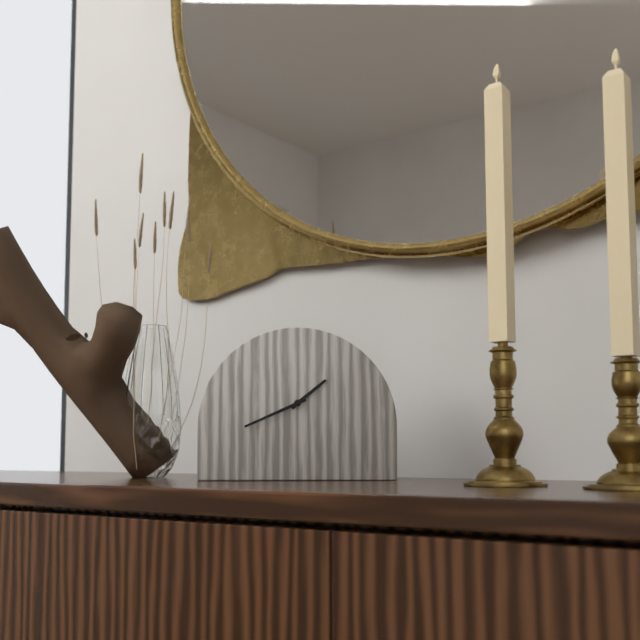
{"hour": 1, "minute": 41}
